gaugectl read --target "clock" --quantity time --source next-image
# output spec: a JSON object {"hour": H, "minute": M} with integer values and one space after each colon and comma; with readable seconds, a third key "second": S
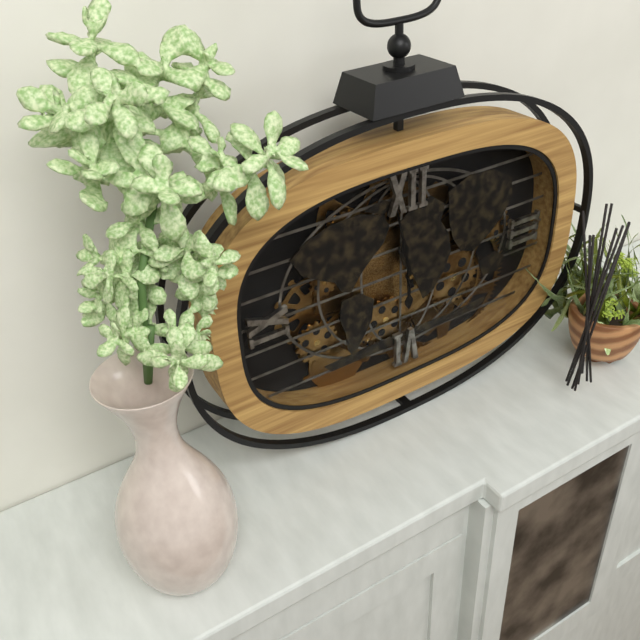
{"hour": 5, "minute": 58}
